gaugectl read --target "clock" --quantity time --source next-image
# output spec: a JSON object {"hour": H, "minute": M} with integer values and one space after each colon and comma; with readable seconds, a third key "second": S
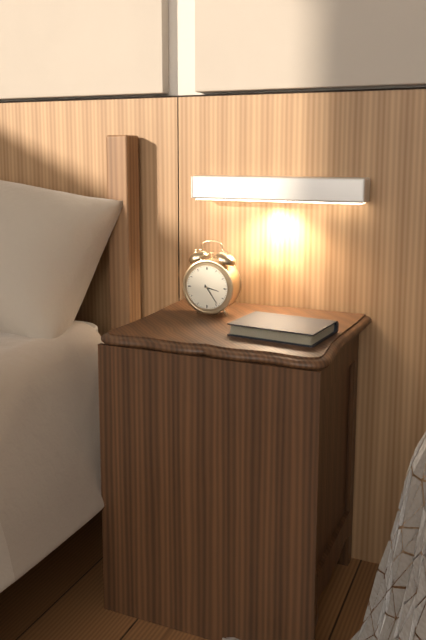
{"hour": 3, "minute": 24}
